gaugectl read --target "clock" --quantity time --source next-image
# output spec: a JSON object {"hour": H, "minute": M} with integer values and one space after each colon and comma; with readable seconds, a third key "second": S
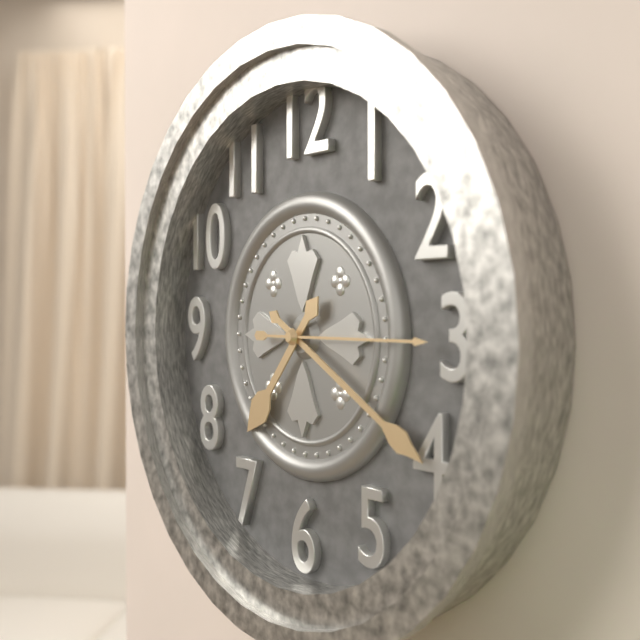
{"hour": 7, "minute": 20, "second": 15}
